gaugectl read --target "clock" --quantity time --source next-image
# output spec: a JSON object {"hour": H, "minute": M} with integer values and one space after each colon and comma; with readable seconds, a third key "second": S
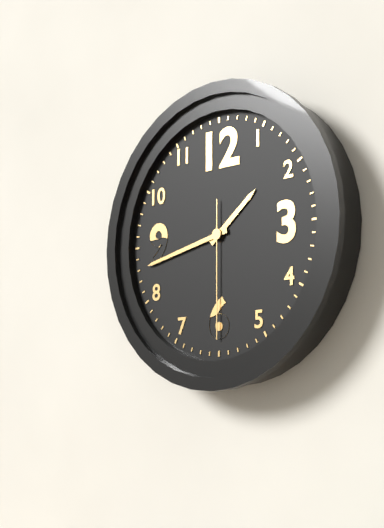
{"hour": 1, "minute": 43, "second": 30}
